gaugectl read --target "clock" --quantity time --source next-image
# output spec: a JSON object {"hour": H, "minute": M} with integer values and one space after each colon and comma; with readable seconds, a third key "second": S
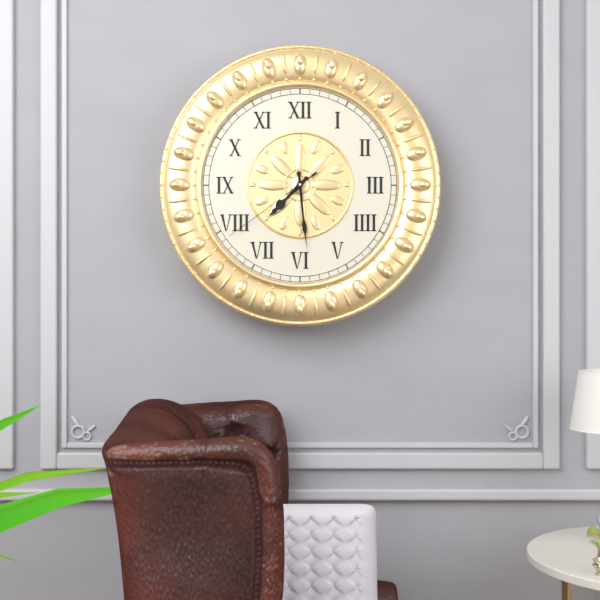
{"hour": 7, "minute": 29, "second": 39}
